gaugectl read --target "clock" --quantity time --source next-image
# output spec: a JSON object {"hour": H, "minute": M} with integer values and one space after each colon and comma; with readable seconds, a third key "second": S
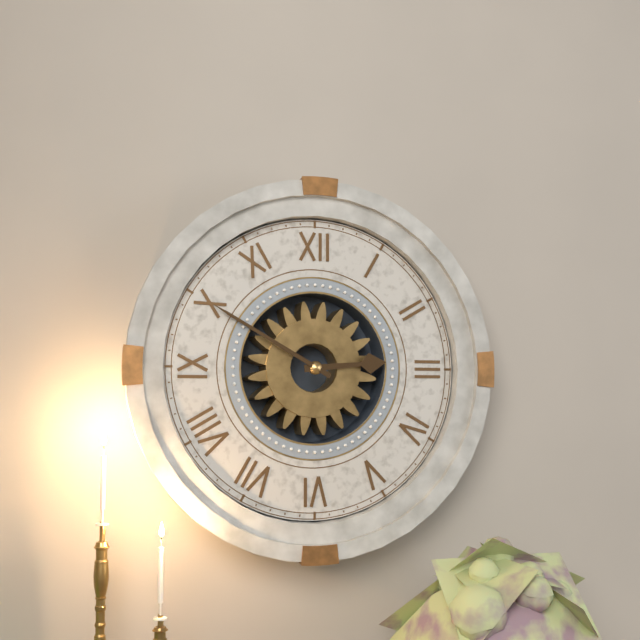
{"hour": 2, "minute": 50}
